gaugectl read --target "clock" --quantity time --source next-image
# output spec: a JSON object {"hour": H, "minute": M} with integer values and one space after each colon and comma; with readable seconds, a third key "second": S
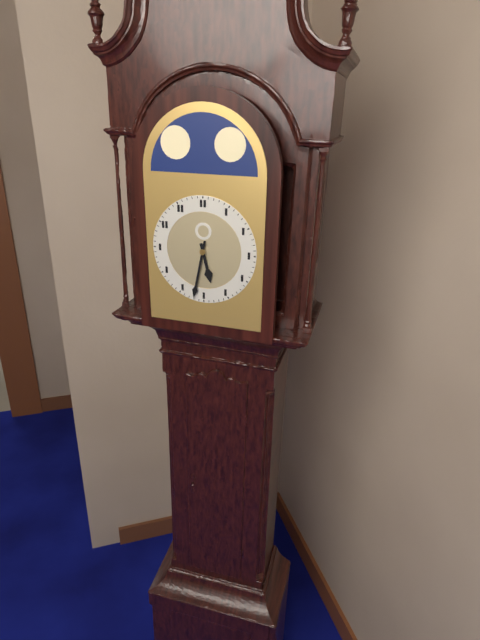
{"hour": 5, "minute": 32}
